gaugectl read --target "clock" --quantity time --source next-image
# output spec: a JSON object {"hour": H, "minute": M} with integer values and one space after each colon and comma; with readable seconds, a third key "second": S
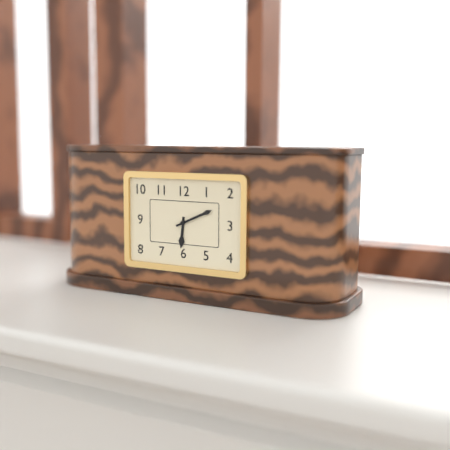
{"hour": 6, "minute": 11}
